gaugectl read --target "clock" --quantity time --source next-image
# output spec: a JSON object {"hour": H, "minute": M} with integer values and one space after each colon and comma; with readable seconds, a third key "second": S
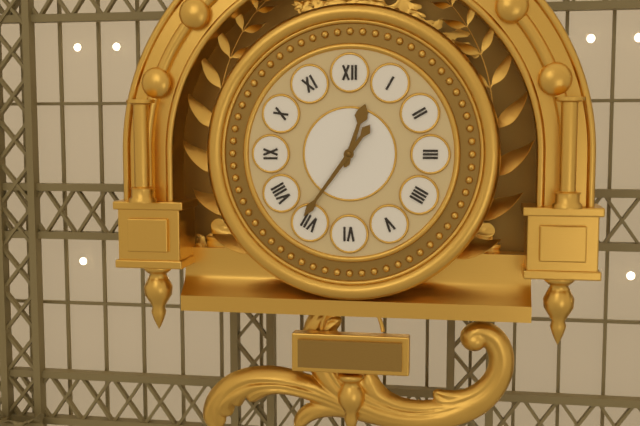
{"hour": 12, "minute": 36}
